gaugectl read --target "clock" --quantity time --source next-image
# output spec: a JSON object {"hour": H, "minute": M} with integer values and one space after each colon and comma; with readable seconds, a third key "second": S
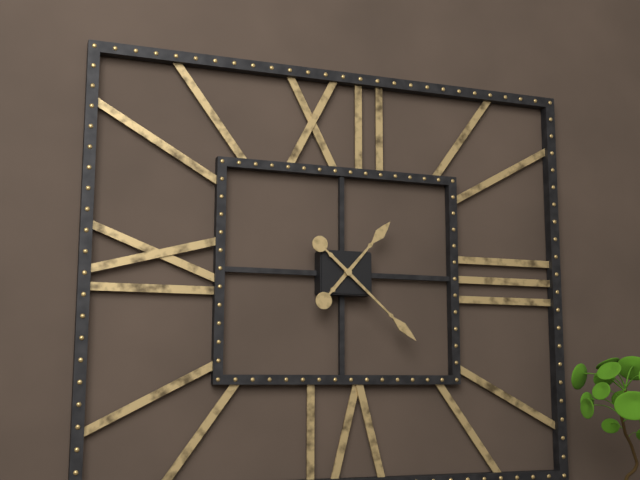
{"hour": 1, "minute": 22}
